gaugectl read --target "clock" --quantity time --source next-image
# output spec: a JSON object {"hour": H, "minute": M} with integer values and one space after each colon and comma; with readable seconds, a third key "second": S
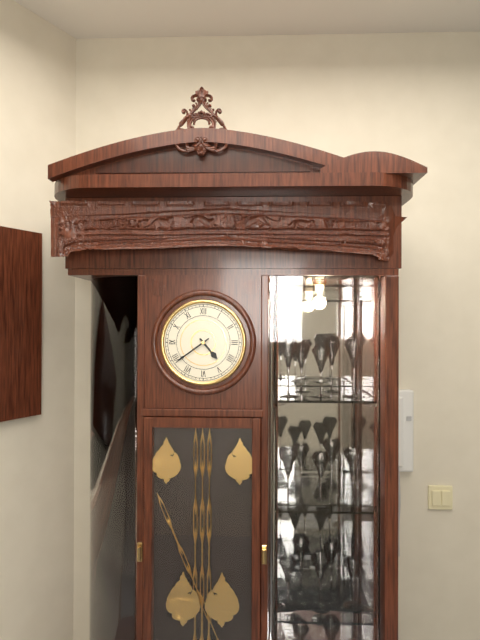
{"hour": 4, "minute": 39}
